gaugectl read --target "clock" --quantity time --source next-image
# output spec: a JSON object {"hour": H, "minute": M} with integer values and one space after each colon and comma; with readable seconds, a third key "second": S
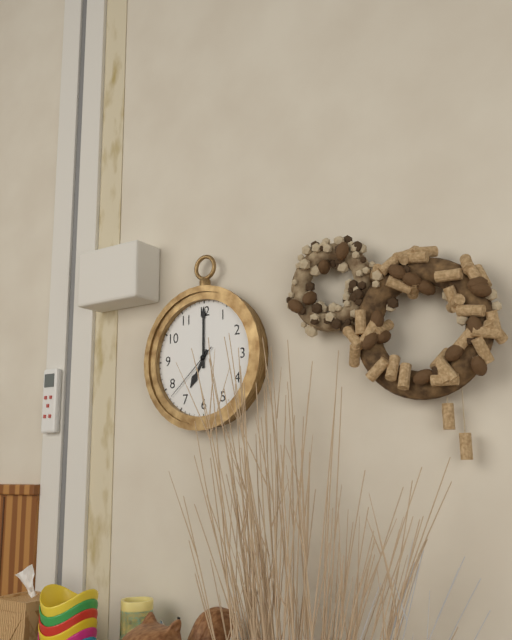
{"hour": 7, "minute": 0, "second": 38}
